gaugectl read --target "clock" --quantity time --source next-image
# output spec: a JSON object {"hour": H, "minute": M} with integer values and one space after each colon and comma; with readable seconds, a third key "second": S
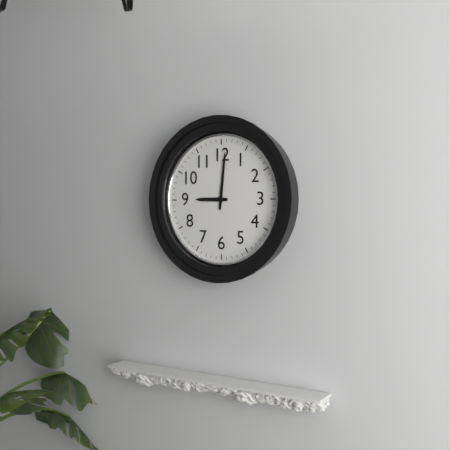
{"hour": 9, "minute": 1}
